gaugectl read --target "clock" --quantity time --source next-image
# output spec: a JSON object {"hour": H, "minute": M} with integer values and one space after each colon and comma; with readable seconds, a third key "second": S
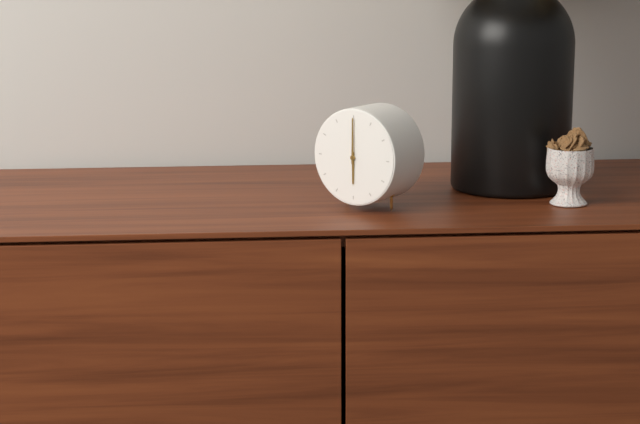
{"hour": 6, "minute": 0}
